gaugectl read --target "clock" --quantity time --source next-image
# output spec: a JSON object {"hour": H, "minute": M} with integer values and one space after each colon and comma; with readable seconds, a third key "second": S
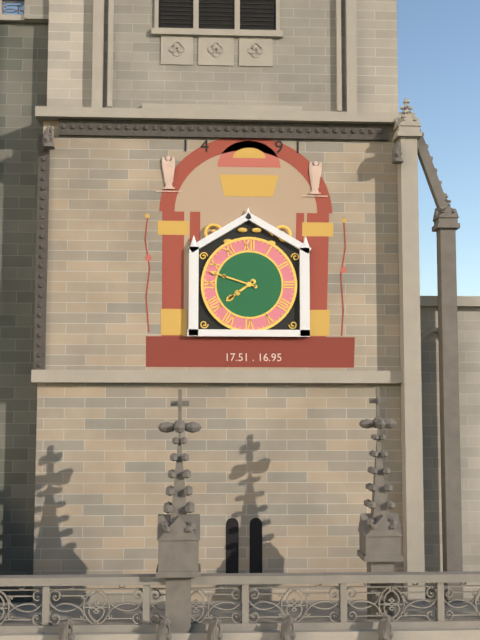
{"hour": 7, "minute": 48}
